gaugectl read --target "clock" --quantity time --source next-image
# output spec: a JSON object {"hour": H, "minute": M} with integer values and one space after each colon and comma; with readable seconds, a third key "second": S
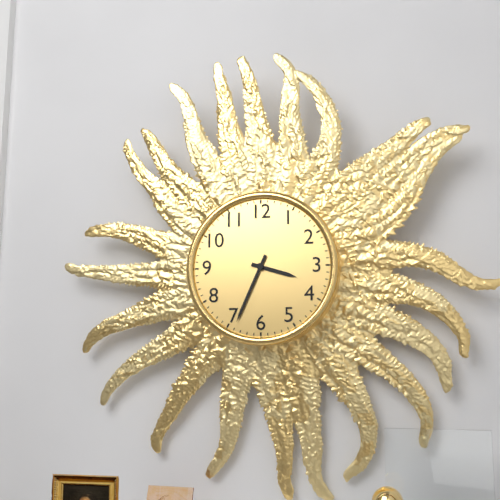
{"hour": 3, "minute": 34}
